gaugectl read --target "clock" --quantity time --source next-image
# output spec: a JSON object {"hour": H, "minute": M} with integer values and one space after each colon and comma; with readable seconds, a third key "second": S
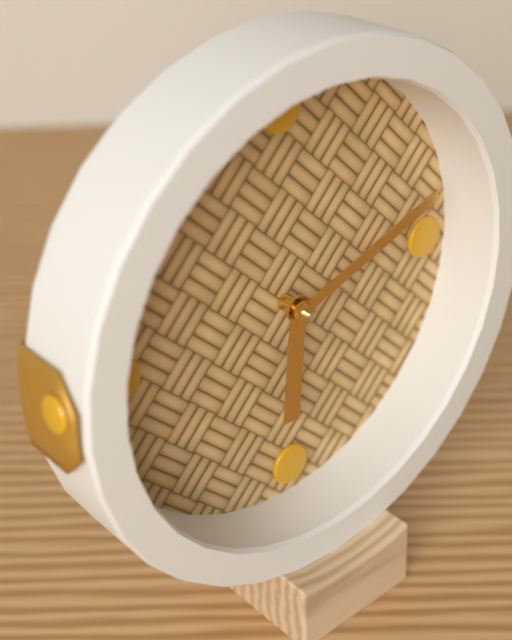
{"hour": 6, "minute": 12}
